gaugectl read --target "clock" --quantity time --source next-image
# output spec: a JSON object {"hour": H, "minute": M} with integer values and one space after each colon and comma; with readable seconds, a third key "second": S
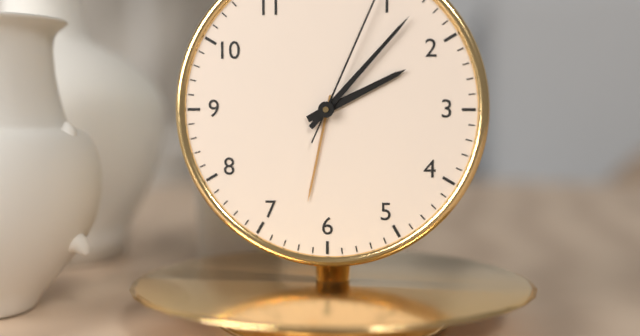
{"hour": 2, "minute": 7}
